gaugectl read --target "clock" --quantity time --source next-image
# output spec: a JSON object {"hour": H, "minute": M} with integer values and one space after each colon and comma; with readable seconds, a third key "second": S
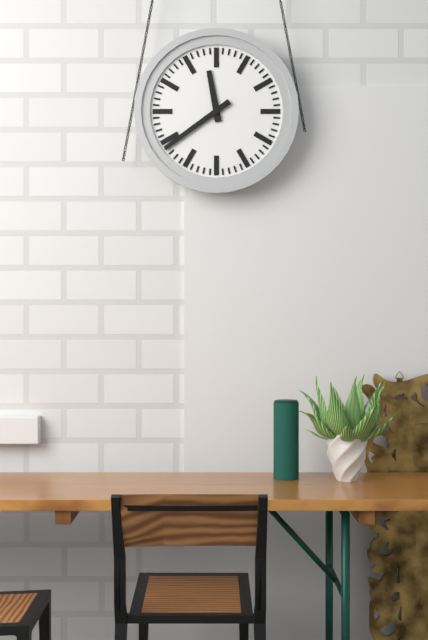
{"hour": 11, "minute": 39}
